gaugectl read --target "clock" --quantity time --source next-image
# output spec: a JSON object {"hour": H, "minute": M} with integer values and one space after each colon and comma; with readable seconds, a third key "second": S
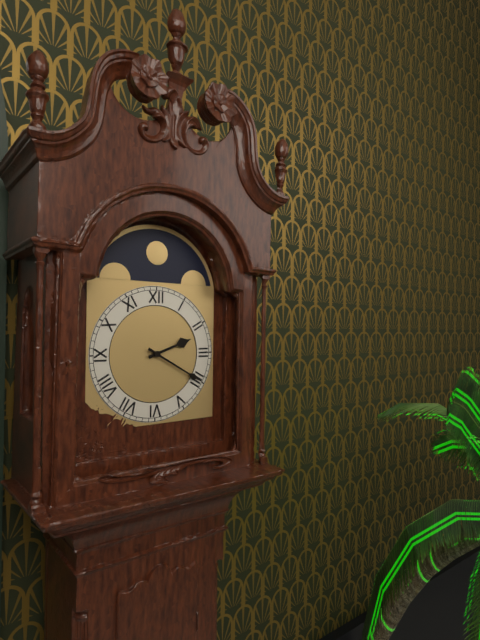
{"hour": 2, "minute": 20}
